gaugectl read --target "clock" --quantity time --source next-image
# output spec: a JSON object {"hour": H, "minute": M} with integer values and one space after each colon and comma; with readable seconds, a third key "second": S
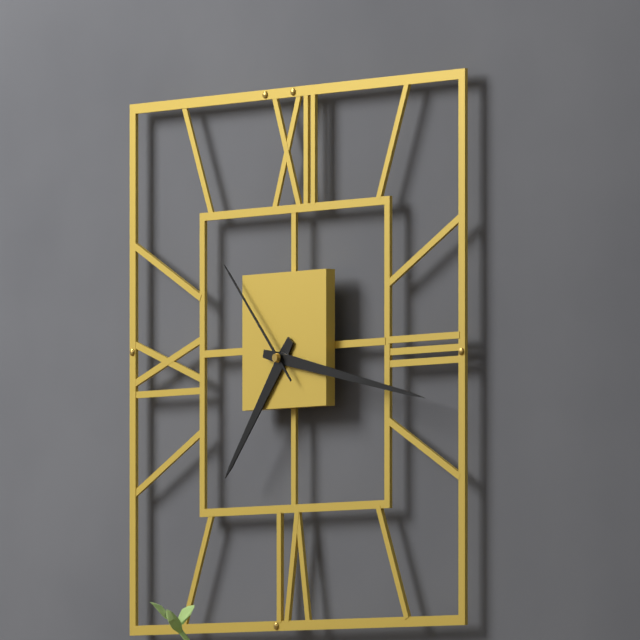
{"hour": 7, "minute": 17, "second": 53}
